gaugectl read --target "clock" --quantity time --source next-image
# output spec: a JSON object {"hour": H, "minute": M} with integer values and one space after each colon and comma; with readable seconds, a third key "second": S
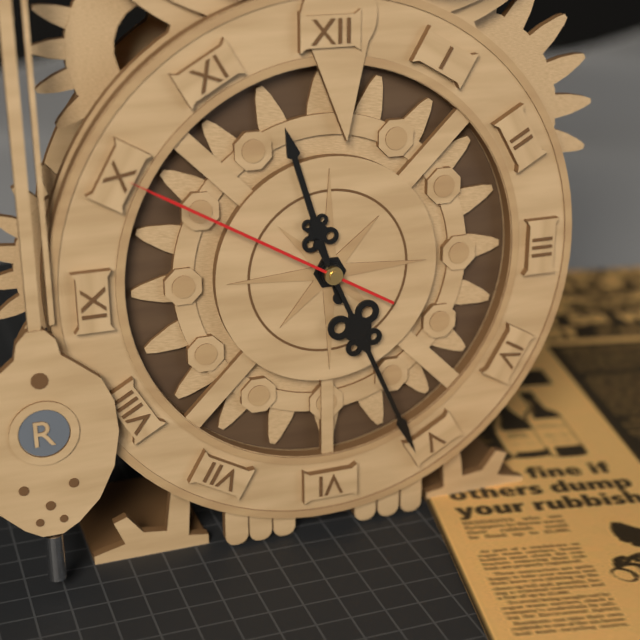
{"hour": 11, "minute": 26, "second": 50}
